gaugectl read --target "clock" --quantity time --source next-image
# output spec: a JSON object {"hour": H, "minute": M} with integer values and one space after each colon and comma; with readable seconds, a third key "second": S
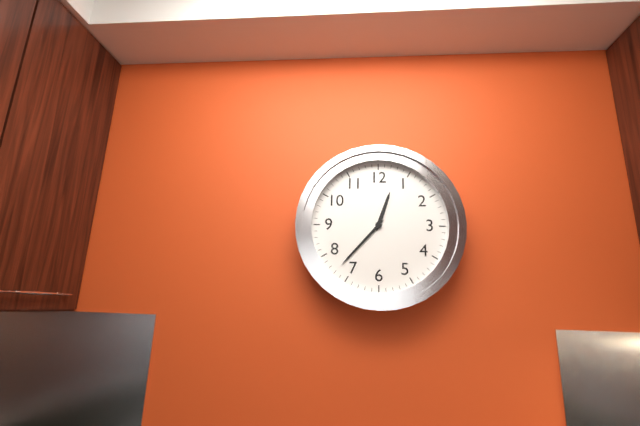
{"hour": 12, "minute": 37}
